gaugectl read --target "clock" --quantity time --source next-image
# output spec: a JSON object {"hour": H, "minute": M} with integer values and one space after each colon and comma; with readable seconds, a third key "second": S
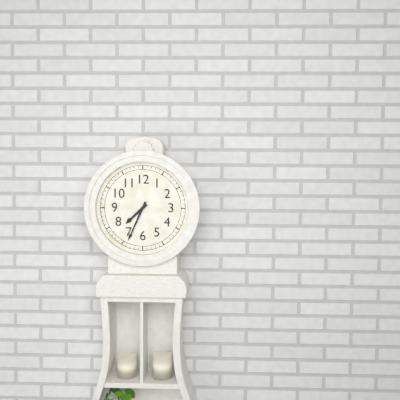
{"hour": 7, "minute": 34}
